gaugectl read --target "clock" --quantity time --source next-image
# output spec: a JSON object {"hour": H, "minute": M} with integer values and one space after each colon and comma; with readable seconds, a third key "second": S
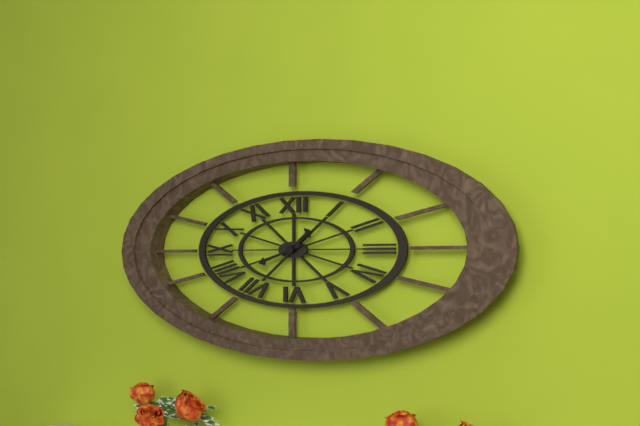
{"hour": 1, "minute": 42}
